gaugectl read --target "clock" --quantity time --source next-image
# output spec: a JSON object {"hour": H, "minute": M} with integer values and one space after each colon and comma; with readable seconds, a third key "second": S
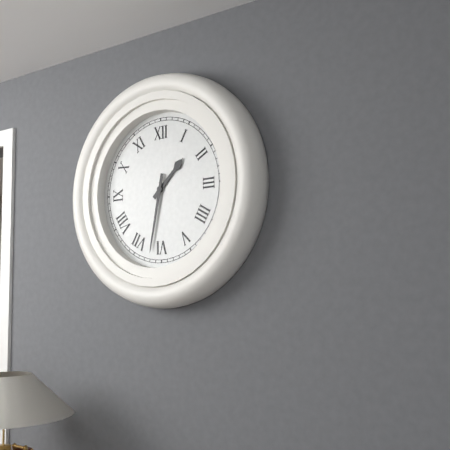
{"hour": 1, "minute": 32}
